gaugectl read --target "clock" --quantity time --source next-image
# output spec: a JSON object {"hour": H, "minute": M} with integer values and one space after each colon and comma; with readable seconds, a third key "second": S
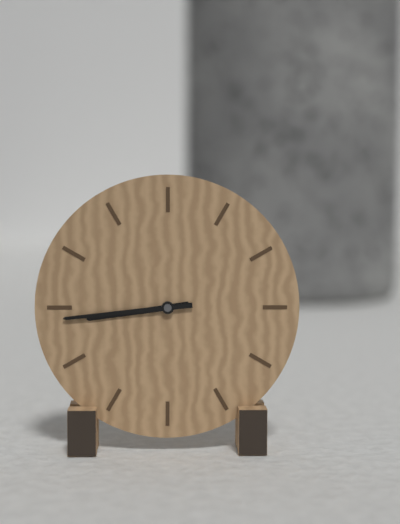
{"hour": 8, "minute": 44}
